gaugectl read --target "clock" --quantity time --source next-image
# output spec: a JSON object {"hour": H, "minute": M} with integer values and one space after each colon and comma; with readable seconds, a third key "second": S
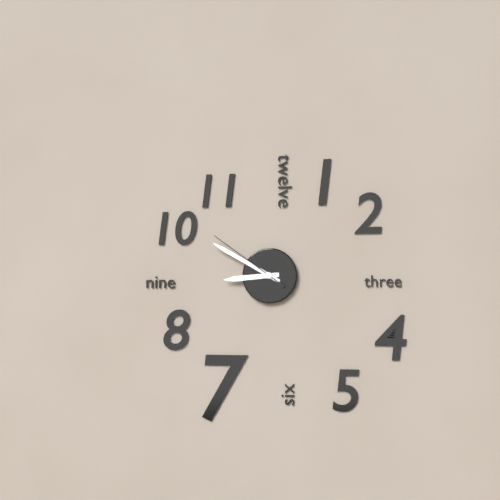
{"hour": 8, "minute": 50, "second": 51}
